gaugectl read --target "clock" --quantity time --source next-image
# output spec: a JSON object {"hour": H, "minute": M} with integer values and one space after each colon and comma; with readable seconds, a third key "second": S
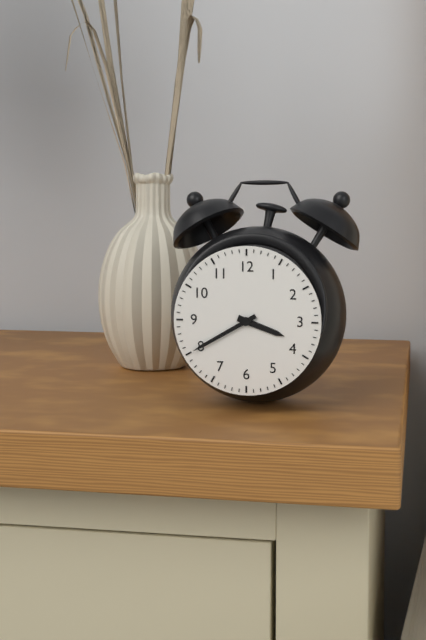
{"hour": 3, "minute": 40}
